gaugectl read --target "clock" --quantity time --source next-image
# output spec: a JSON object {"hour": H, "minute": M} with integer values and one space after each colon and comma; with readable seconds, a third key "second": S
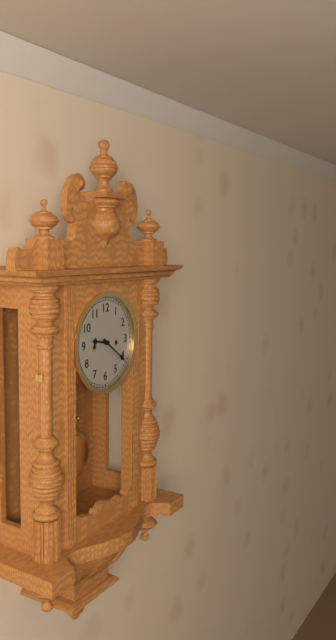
{"hour": 9, "minute": 21}
